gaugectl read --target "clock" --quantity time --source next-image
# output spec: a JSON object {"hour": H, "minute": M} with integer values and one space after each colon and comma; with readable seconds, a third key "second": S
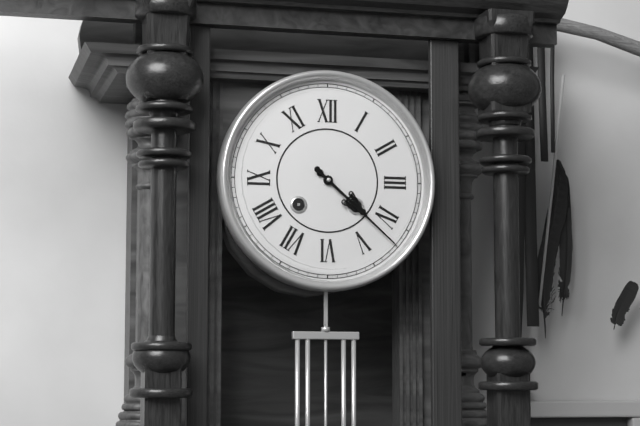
{"hour": 4, "minute": 22}
